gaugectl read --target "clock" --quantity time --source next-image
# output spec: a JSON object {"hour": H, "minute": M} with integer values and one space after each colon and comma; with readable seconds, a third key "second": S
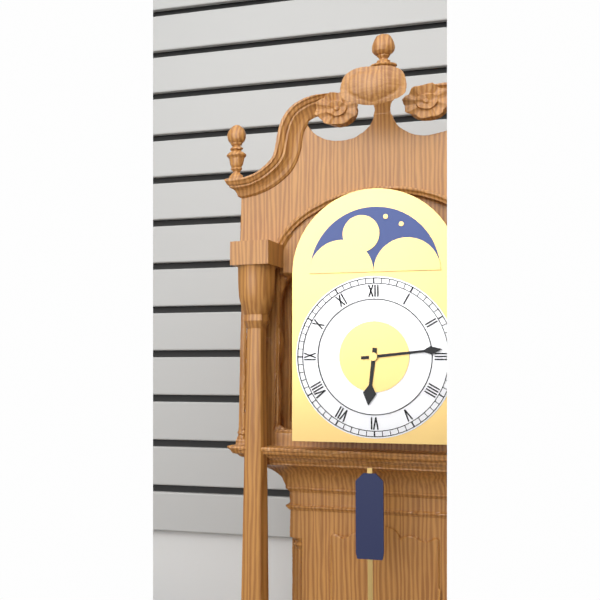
{"hour": 6, "minute": 14}
